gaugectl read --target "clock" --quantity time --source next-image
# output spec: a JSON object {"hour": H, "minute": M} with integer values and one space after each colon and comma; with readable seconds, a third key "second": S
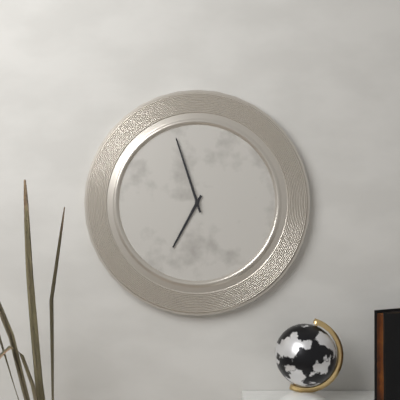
{"hour": 6, "minute": 57}
